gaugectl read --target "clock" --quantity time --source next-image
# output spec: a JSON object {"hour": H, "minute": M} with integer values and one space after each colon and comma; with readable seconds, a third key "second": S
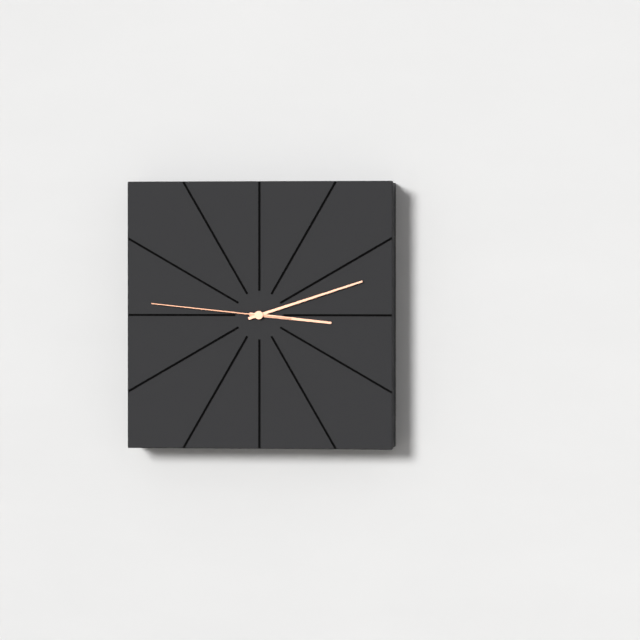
{"hour": 3, "minute": 12, "second": 46}
